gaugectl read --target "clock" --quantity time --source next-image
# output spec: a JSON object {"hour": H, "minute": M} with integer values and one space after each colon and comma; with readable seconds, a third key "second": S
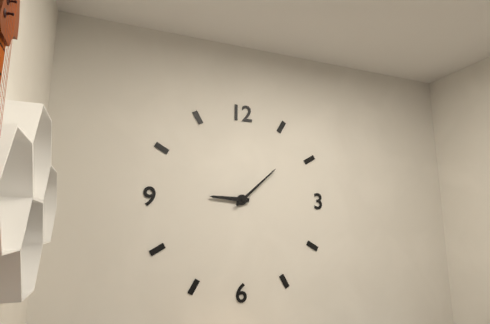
{"hour": 9, "minute": 8}
